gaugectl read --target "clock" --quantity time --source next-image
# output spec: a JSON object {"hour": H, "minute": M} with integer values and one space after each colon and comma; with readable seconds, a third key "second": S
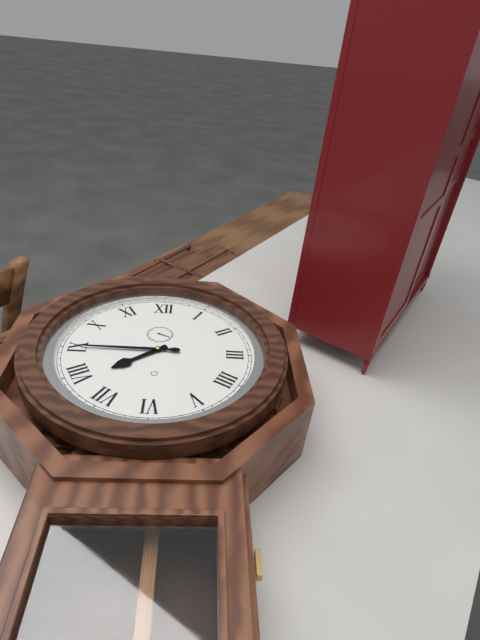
{"hour": 7, "minute": 45}
